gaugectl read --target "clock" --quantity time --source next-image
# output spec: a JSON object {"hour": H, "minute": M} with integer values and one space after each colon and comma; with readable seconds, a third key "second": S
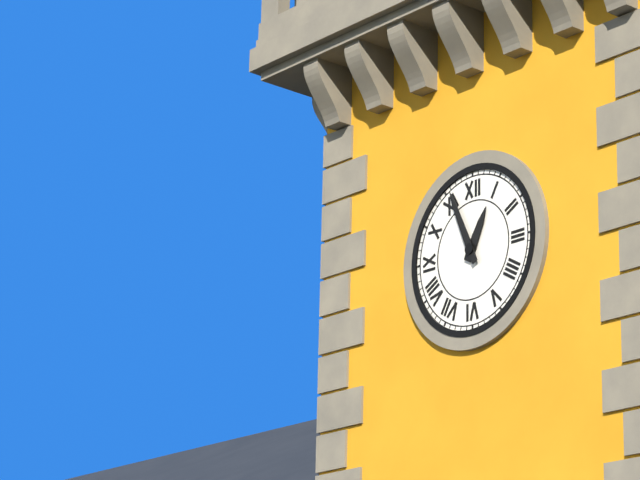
{"hour": 12, "minute": 56}
